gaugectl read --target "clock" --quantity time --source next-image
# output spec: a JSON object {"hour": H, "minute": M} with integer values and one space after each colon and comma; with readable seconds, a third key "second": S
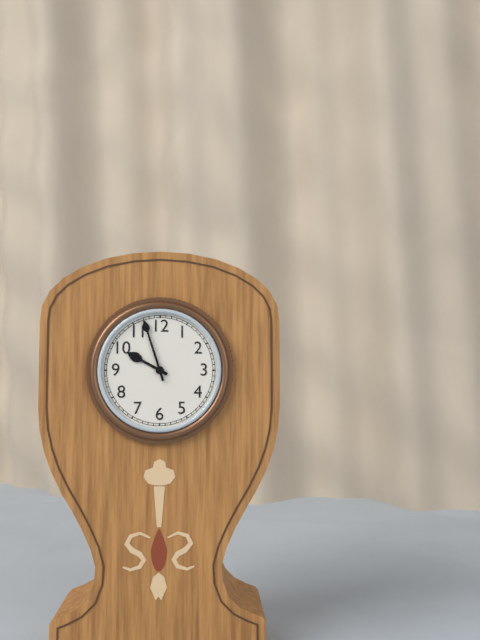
{"hour": 9, "minute": 57}
